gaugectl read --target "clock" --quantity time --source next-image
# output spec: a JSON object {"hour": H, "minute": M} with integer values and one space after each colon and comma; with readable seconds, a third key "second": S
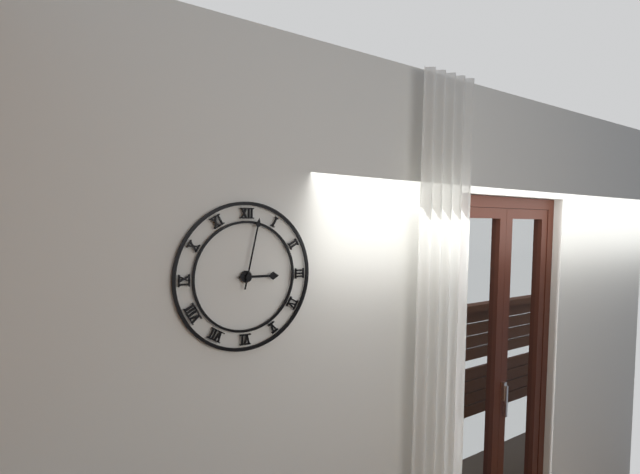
{"hour": 3, "minute": 2}
